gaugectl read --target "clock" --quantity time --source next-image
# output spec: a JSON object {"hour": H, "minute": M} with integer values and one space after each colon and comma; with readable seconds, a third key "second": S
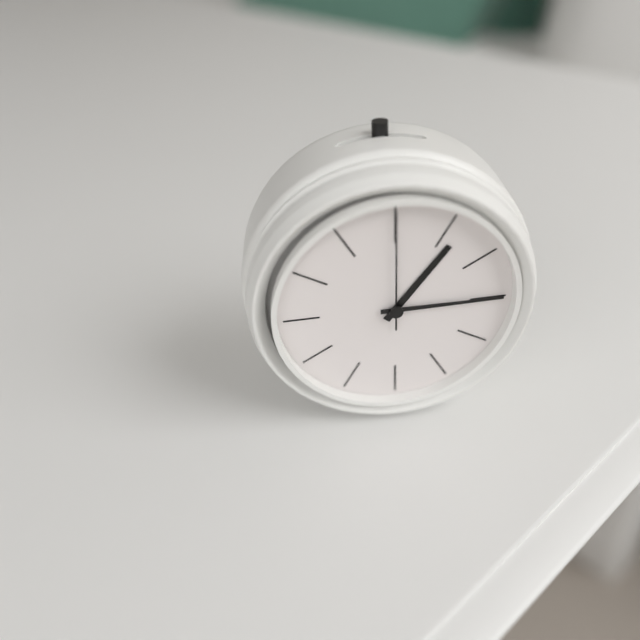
{"hour": 1, "minute": 15, "second": 0}
